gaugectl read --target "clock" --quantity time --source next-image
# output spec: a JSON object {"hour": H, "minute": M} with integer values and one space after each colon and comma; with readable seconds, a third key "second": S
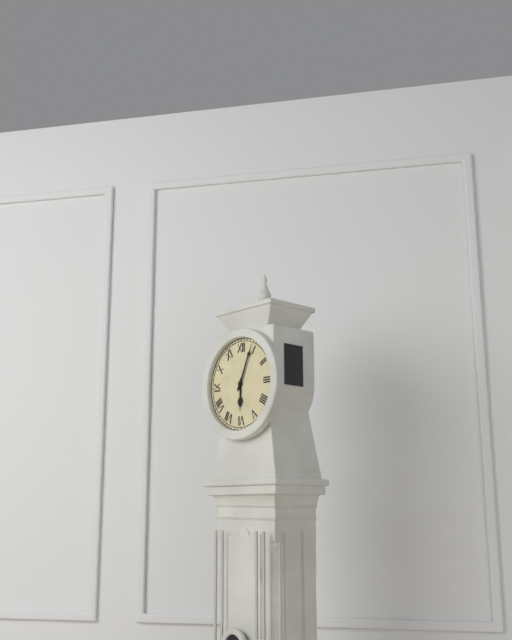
{"hour": 6, "minute": 4}
